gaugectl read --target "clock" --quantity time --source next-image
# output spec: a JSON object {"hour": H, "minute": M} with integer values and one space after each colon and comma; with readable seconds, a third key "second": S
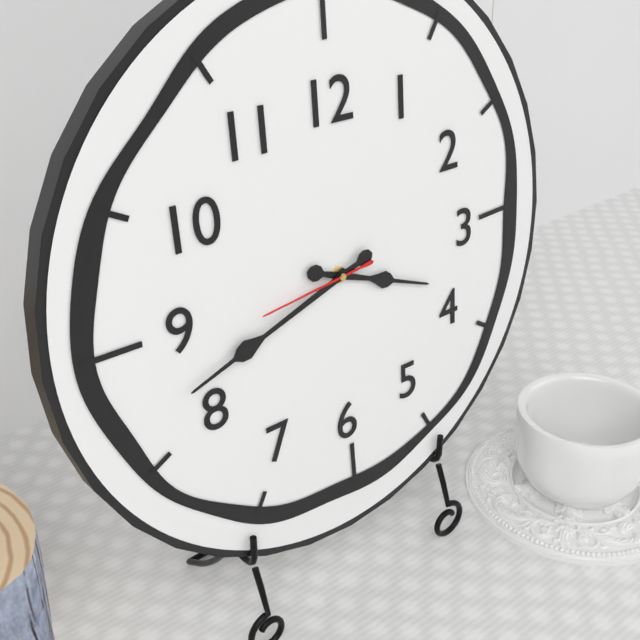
{"hour": 3, "minute": 42, "second": 44}
